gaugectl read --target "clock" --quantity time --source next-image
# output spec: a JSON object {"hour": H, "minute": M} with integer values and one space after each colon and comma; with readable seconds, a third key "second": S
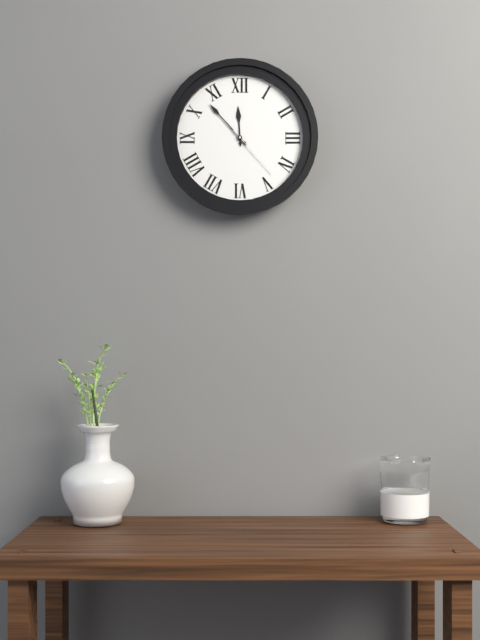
{"hour": 11, "minute": 53, "second": 23}
